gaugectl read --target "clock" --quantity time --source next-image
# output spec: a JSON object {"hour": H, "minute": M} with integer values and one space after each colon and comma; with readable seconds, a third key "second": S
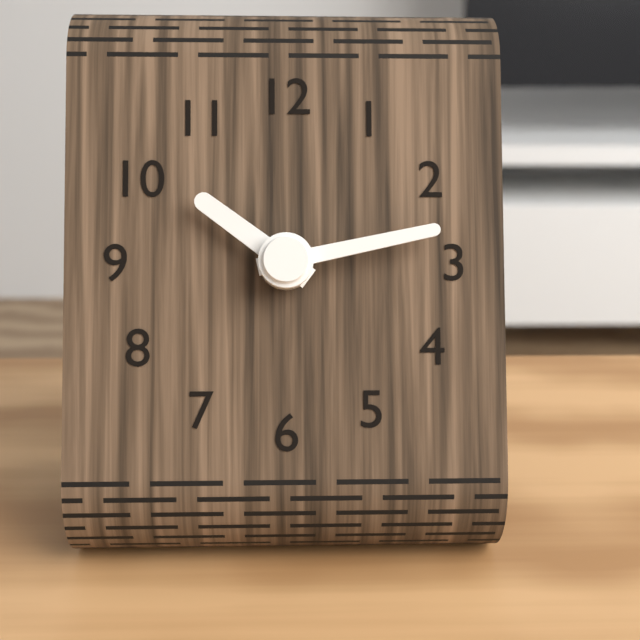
{"hour": 10, "minute": 13}
